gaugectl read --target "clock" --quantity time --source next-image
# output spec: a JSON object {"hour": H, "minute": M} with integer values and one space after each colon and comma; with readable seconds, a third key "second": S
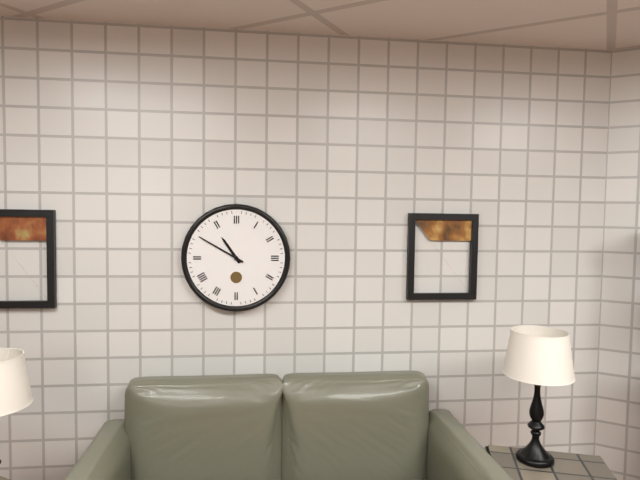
{"hour": 10, "minute": 50}
